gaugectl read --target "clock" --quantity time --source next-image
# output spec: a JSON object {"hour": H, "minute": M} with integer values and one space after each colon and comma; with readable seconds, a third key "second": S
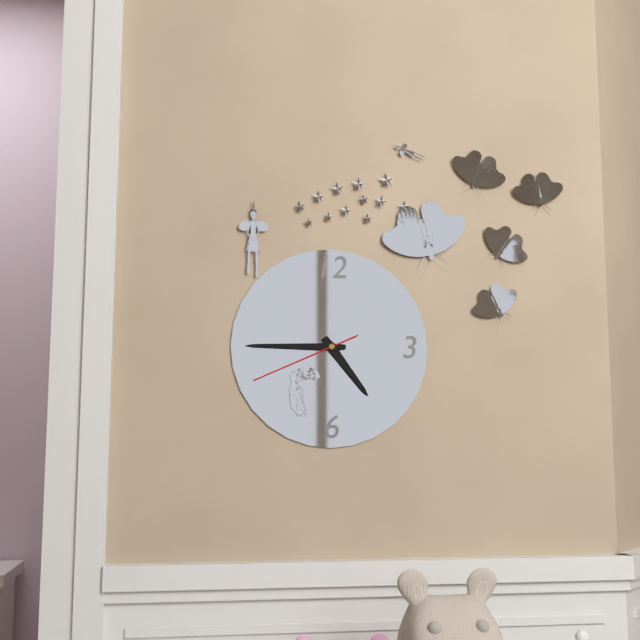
{"hour": 4, "minute": 45, "second": 41}
